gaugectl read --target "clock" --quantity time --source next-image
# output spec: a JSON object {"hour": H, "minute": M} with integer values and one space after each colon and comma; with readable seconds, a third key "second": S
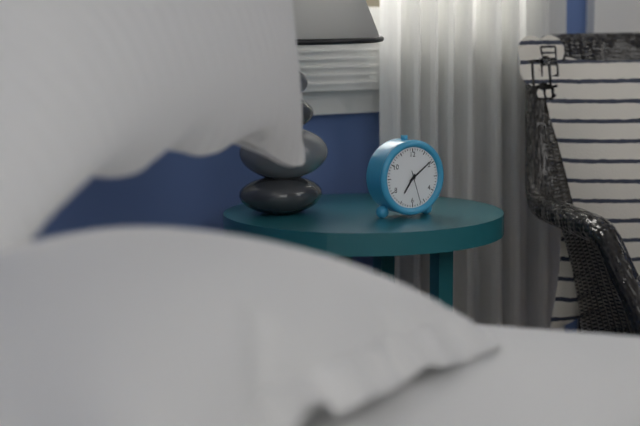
{"hour": 7, "minute": 9}
